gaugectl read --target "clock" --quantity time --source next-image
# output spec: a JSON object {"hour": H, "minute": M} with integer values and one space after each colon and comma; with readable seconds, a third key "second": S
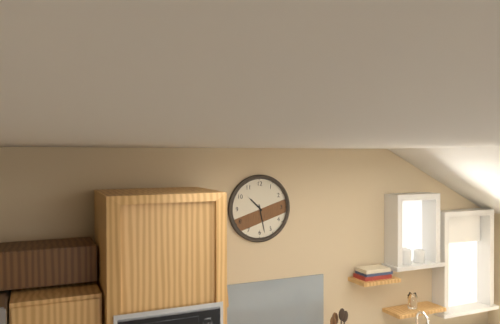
{"hour": 10, "minute": 28}
